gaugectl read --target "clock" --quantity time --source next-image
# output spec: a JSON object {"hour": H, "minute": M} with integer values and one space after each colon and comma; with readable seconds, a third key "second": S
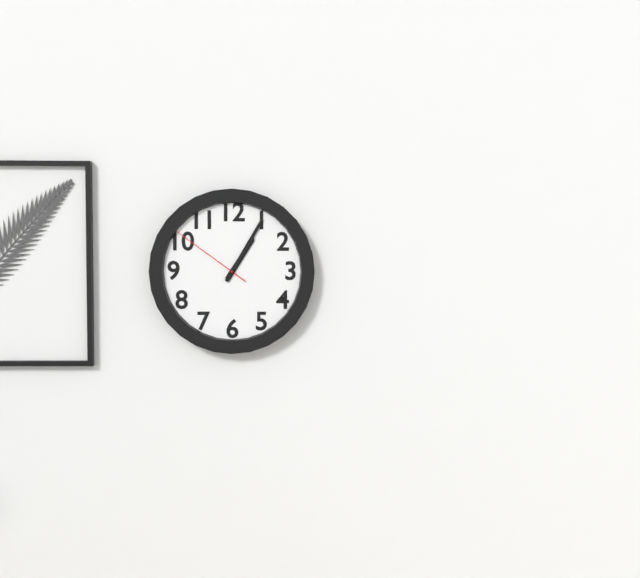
{"hour": 1, "minute": 5, "second": 51}
